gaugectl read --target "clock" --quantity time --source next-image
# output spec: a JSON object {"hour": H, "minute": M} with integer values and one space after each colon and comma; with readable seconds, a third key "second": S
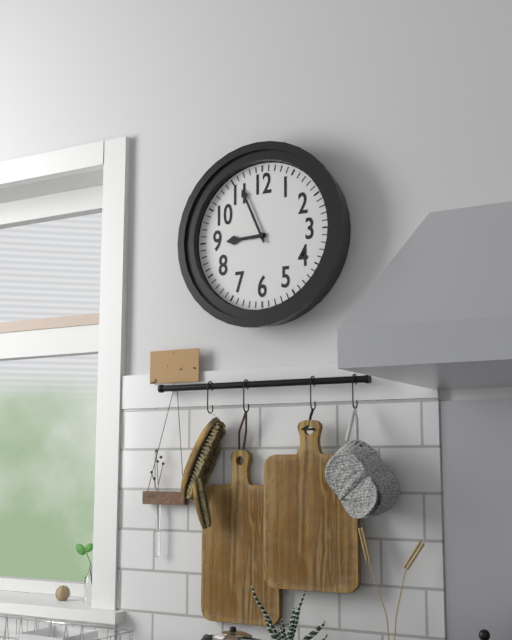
{"hour": 8, "minute": 56}
